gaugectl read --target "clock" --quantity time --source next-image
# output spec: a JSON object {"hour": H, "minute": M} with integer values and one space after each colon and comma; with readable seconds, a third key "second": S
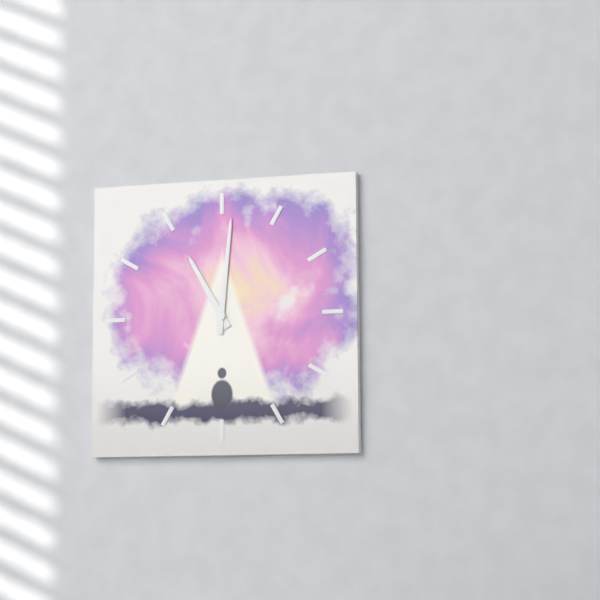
{"hour": 11, "minute": 1}
